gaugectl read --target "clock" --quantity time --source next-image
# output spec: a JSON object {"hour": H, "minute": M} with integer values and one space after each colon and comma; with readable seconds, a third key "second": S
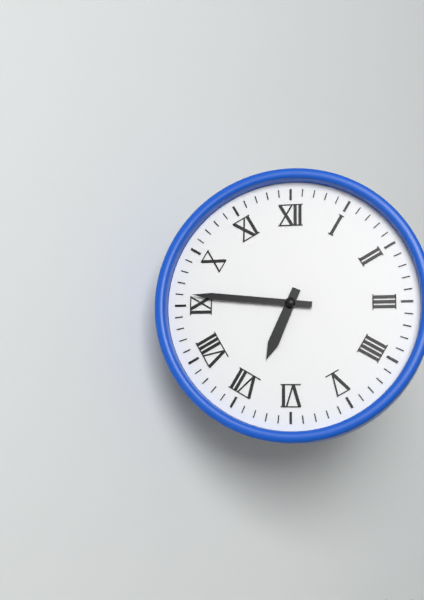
{"hour": 6, "minute": 46}
